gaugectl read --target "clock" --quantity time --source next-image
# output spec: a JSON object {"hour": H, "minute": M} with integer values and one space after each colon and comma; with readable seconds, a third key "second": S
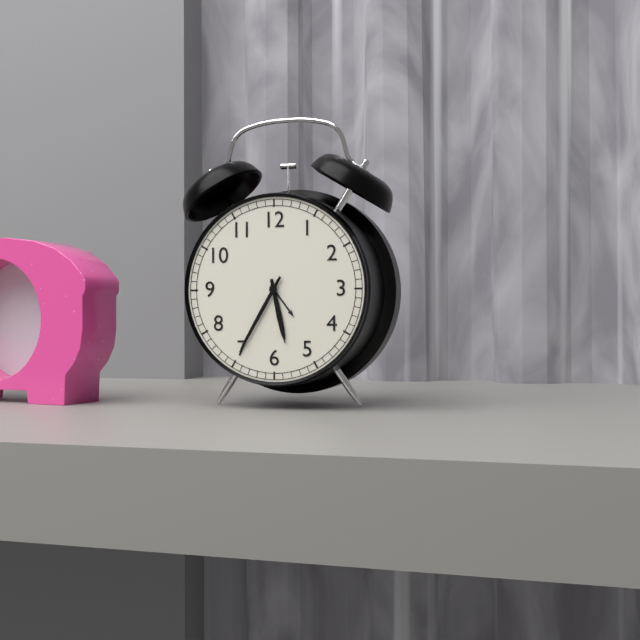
{"hour": 5, "minute": 35}
